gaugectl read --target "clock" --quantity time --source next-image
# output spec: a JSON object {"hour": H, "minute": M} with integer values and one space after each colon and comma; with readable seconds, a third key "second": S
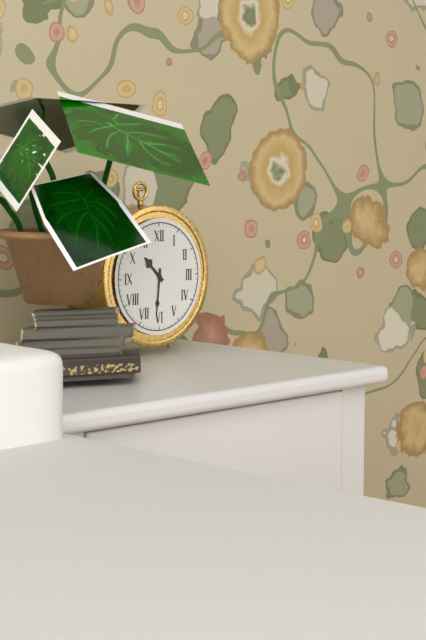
{"hour": 10, "minute": 31}
